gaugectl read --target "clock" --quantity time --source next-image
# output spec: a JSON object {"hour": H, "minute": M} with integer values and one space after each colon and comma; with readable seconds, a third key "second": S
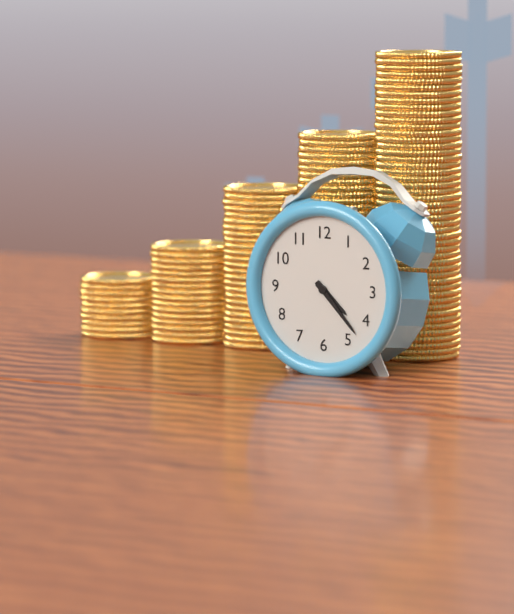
{"hour": 4, "minute": 23}
